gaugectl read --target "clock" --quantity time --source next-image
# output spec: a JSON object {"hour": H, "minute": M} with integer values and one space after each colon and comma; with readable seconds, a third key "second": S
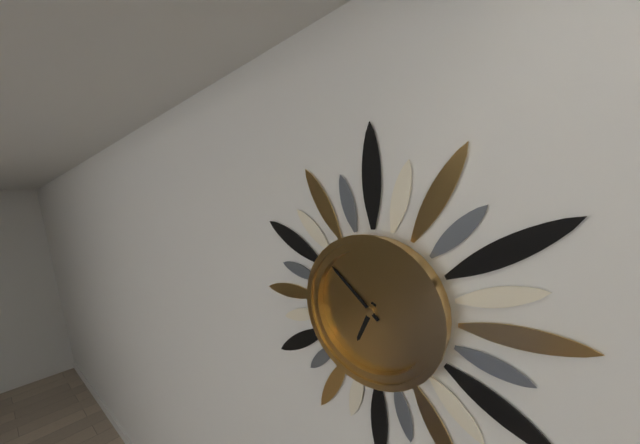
{"hour": 6, "minute": 52}
